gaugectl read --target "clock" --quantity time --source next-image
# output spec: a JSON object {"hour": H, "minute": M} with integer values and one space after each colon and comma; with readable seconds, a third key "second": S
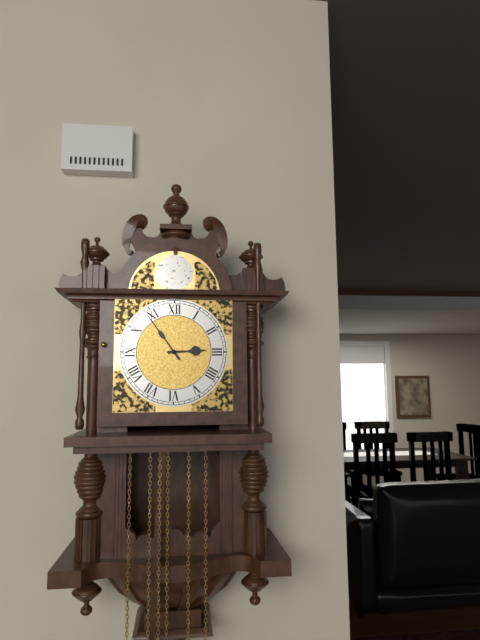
{"hour": 2, "minute": 54}
